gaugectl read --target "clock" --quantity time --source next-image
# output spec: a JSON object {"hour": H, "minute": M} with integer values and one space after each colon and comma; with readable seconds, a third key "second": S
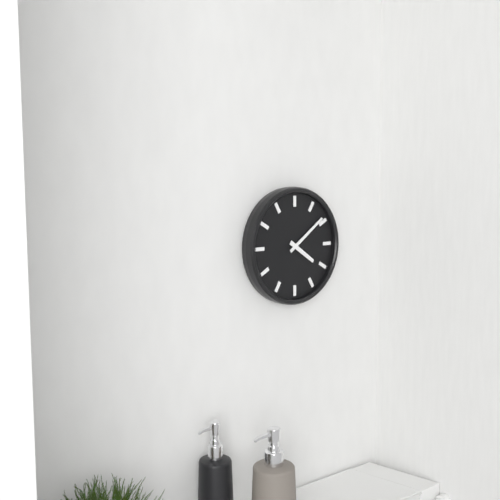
{"hour": 4, "minute": 9}
